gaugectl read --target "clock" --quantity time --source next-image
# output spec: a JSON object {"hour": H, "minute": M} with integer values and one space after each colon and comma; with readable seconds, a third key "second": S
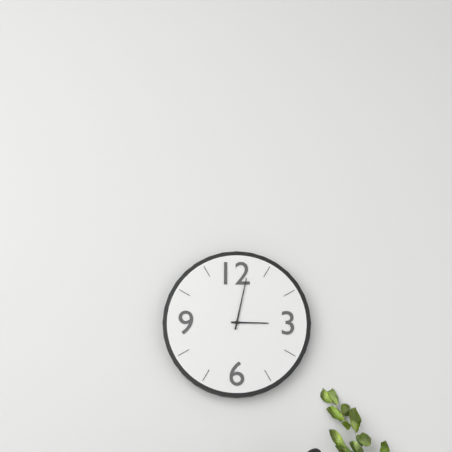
{"hour": 3, "minute": 2}
